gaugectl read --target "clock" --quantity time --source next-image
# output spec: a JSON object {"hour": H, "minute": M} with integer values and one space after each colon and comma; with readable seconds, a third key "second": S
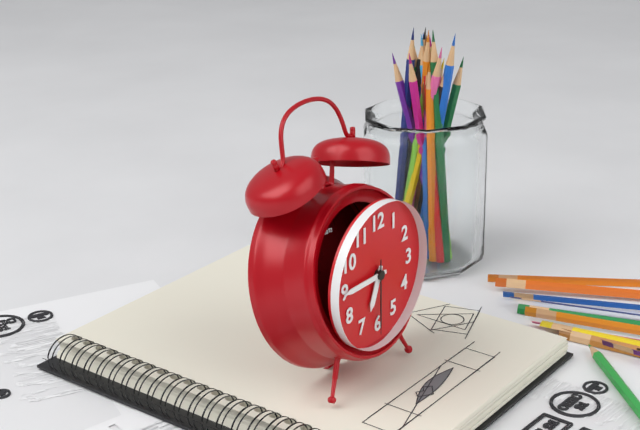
{"hour": 6, "minute": 45, "second": 30}
